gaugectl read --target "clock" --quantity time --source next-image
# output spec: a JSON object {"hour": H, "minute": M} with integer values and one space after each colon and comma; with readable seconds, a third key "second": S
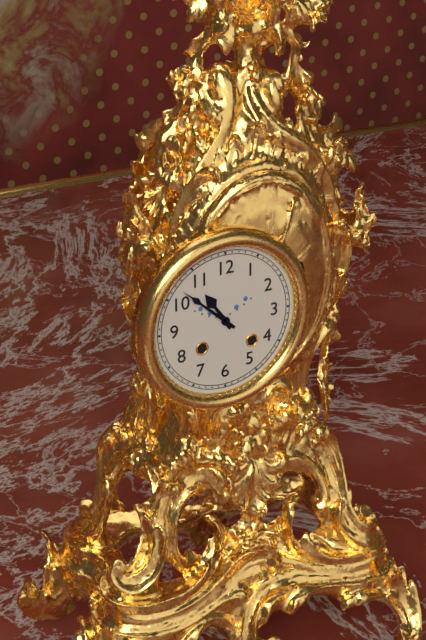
{"hour": 10, "minute": 52}
